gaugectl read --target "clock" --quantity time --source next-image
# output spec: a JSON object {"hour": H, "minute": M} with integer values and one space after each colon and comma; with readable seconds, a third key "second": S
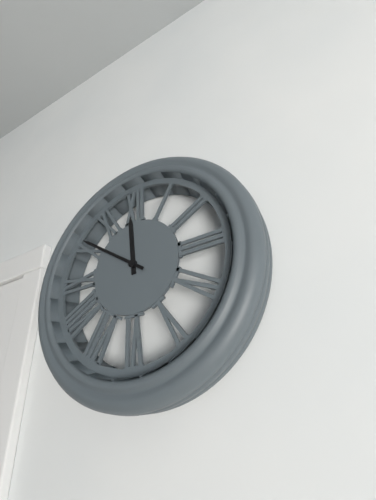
{"hour": 11, "minute": 51}
